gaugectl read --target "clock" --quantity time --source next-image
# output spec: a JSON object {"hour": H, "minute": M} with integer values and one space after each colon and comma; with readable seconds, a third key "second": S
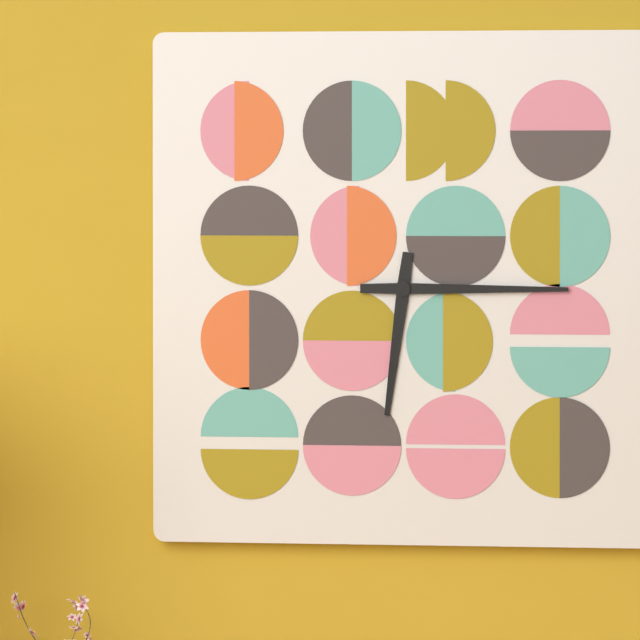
{"hour": 6, "minute": 15}
